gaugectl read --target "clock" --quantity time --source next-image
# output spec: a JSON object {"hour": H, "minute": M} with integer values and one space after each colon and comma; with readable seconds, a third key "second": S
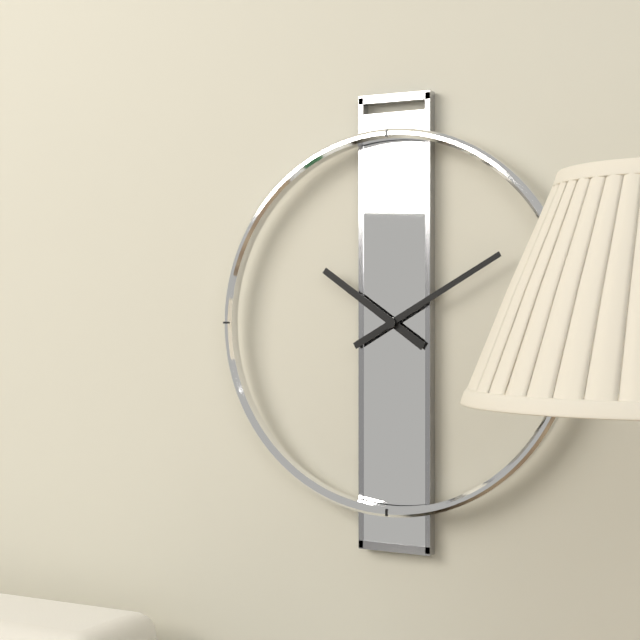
{"hour": 10, "minute": 10}
